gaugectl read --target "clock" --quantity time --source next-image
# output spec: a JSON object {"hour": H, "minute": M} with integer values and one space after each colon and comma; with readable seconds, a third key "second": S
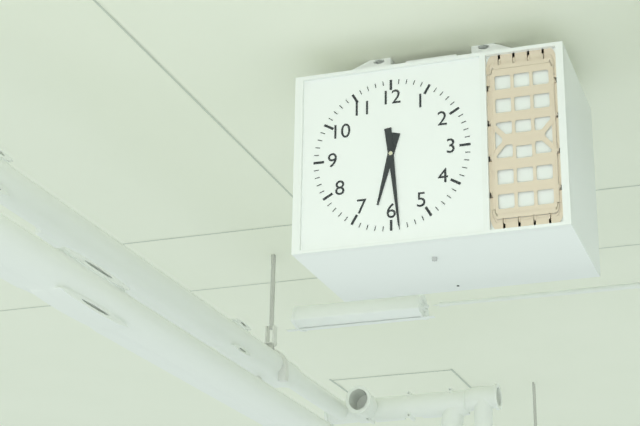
{"hour": 6, "minute": 29}
